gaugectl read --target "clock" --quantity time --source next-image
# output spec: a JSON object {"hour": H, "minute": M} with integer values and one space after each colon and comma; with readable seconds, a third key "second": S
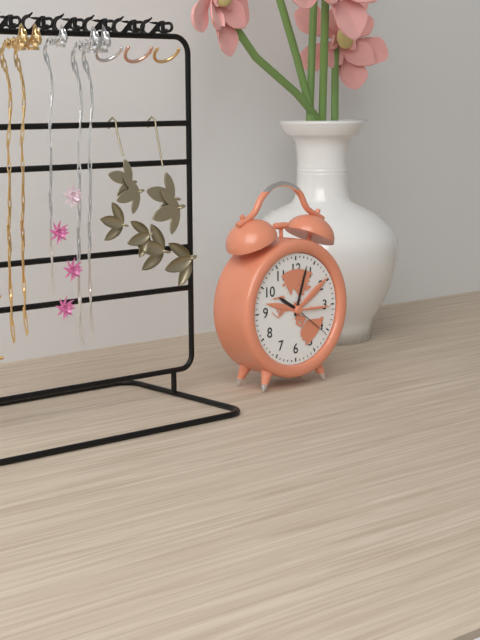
{"hour": 10, "minute": 3}
